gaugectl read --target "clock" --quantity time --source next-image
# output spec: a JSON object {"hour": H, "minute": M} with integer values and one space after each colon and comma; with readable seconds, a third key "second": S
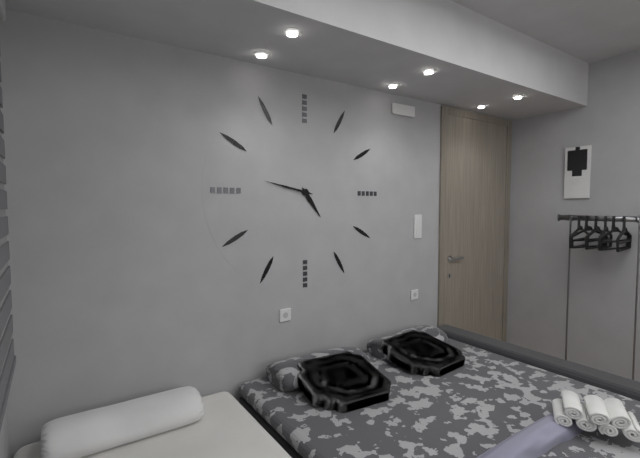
{"hour": 4, "minute": 47}
